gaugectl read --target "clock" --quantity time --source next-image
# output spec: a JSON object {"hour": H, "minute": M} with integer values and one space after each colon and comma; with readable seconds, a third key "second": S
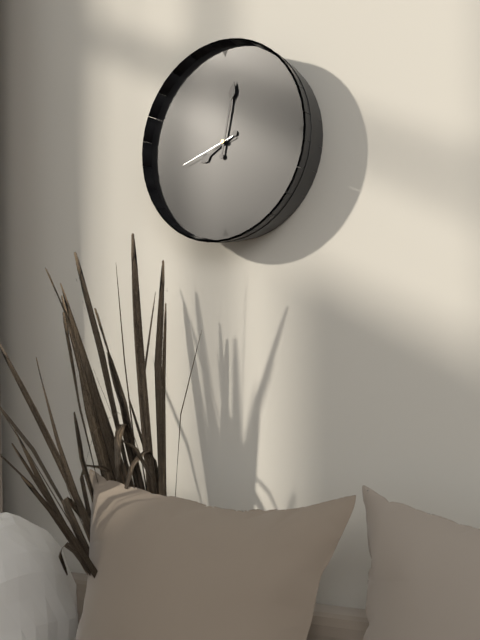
{"hour": 8, "minute": 2, "second": 42}
